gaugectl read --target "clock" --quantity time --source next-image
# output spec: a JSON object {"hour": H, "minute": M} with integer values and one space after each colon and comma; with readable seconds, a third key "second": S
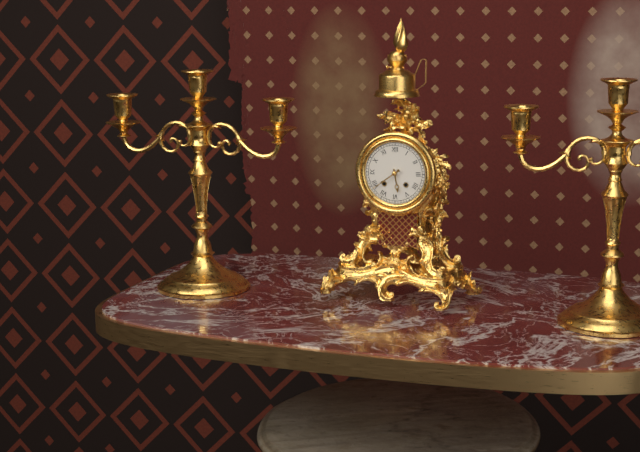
{"hour": 5, "minute": 39}
